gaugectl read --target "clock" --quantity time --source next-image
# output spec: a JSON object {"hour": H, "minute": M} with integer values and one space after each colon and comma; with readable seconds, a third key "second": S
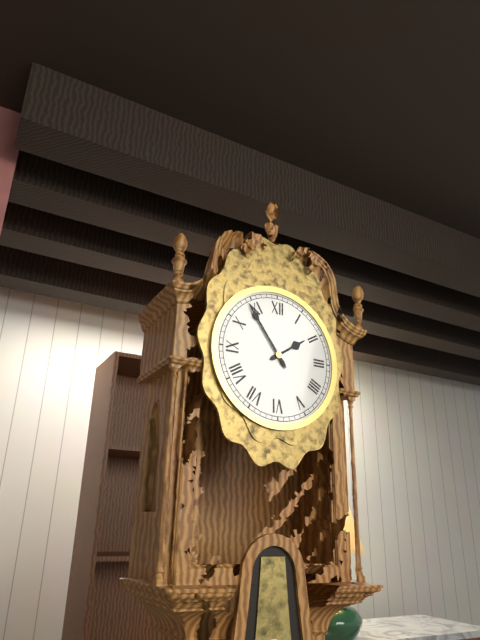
{"hour": 1, "minute": 54}
